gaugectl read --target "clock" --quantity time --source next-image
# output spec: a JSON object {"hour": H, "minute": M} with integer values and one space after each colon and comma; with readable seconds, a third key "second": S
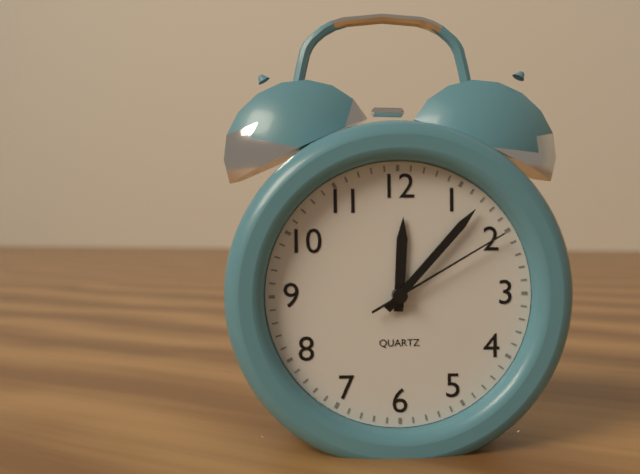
{"hour": 12, "minute": 7, "second": 10}
